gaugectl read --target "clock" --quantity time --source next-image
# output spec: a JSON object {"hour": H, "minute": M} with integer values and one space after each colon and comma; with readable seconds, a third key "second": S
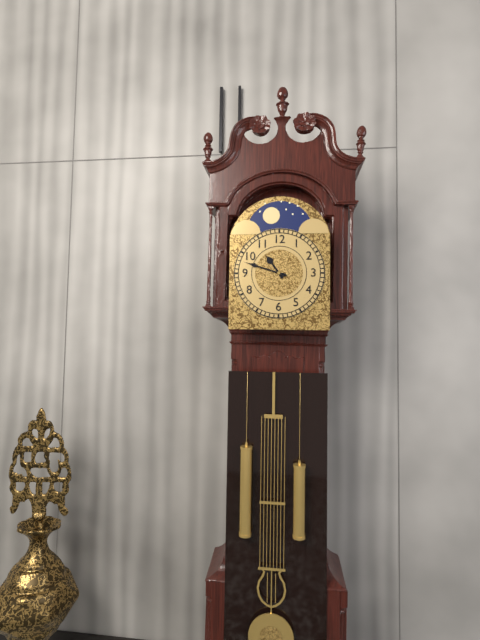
{"hour": 10, "minute": 48}
